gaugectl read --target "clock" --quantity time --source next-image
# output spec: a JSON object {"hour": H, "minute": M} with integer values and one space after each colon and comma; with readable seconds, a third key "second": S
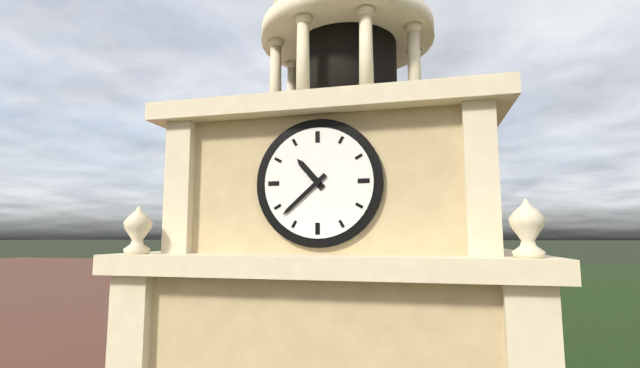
{"hour": 10, "minute": 38}
